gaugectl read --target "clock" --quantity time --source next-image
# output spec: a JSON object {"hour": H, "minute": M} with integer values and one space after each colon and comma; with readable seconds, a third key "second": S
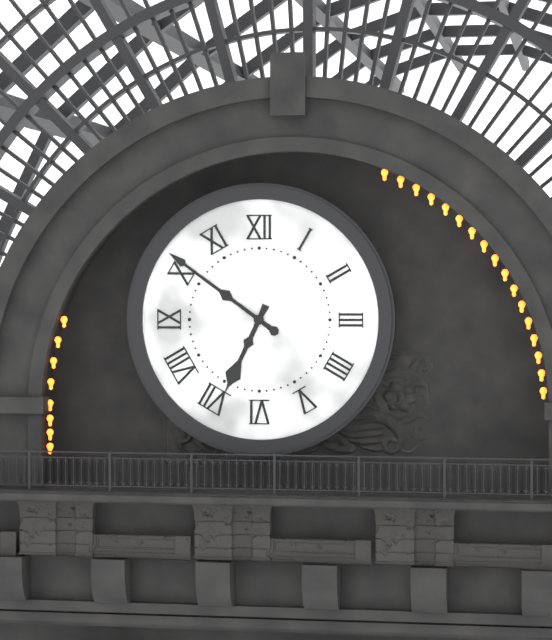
{"hour": 6, "minute": 51}
